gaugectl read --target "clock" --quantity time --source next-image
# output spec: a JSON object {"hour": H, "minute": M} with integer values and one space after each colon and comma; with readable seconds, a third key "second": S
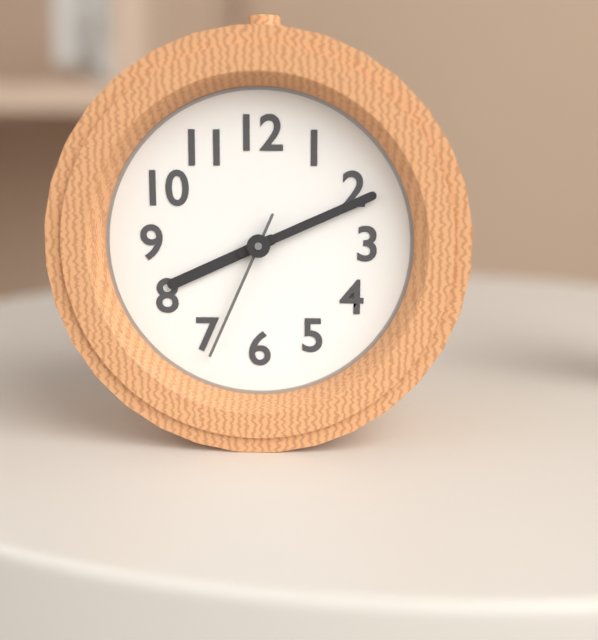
{"hour": 8, "minute": 11, "second": 34}
